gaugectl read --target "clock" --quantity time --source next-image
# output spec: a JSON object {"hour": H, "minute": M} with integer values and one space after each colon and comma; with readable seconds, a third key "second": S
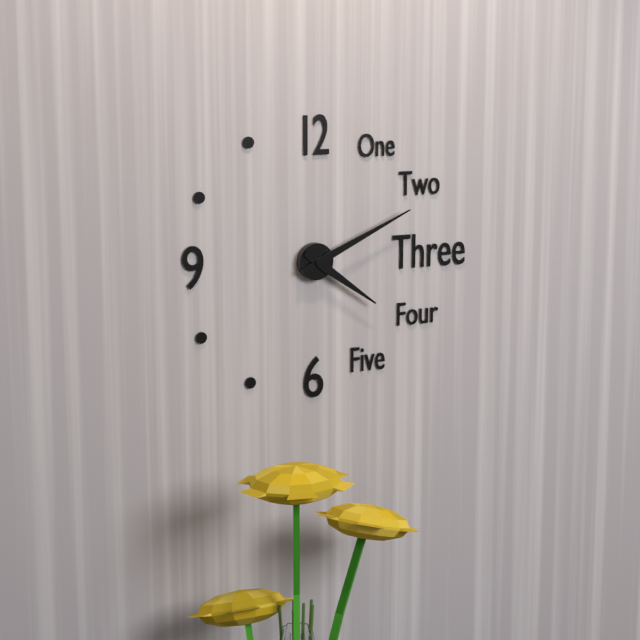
{"hour": 4, "minute": 11}
